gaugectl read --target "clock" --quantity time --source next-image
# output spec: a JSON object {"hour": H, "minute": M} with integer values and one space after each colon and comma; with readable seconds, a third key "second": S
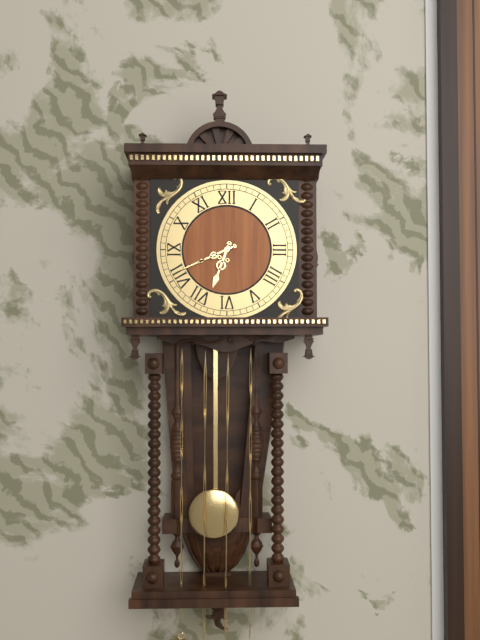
{"hour": 6, "minute": 41}
